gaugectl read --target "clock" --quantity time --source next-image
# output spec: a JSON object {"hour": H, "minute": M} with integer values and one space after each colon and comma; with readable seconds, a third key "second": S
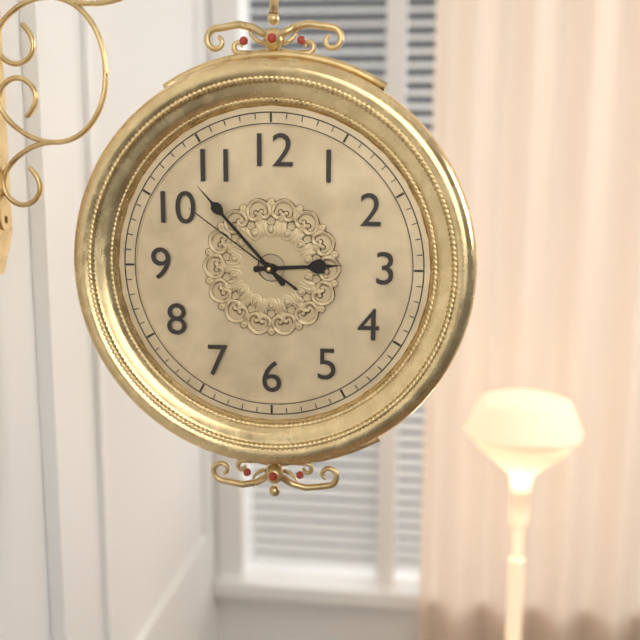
{"hour": 2, "minute": 53, "second": 51}
